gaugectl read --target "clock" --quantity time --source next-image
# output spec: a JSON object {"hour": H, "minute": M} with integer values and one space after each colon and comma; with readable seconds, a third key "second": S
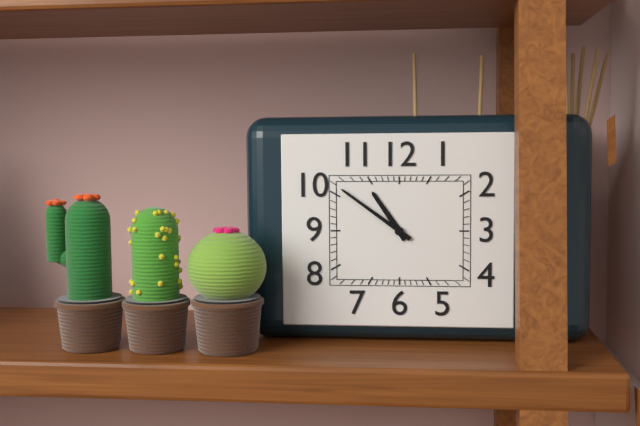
{"hour": 10, "minute": 51}
